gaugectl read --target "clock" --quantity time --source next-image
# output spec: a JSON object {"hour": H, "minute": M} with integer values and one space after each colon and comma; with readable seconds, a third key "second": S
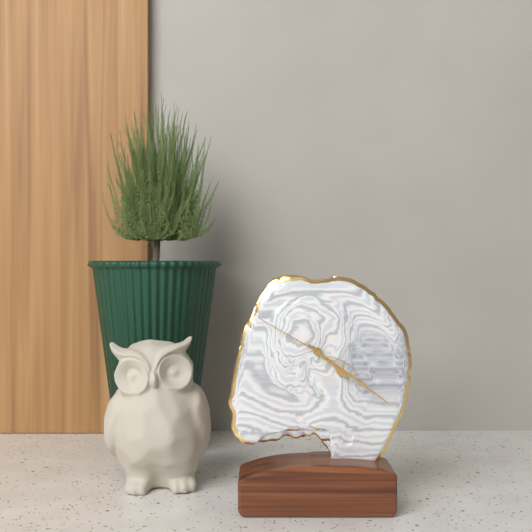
{"hour": 4, "minute": 21, "second": 50}
